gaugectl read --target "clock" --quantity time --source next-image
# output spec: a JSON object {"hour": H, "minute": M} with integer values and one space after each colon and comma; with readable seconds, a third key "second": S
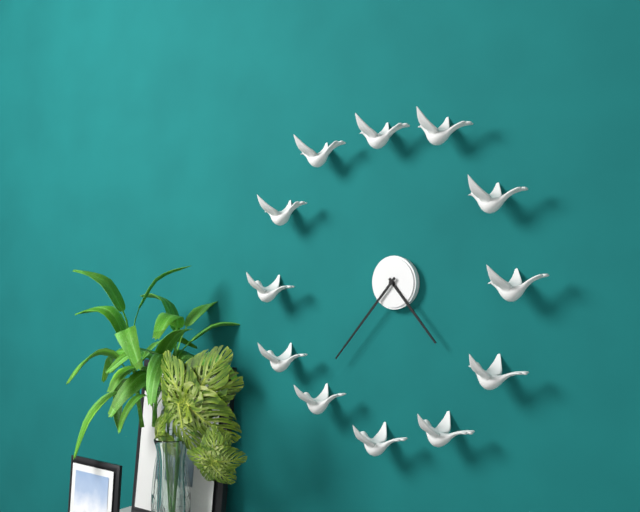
{"hour": 4, "minute": 37}
